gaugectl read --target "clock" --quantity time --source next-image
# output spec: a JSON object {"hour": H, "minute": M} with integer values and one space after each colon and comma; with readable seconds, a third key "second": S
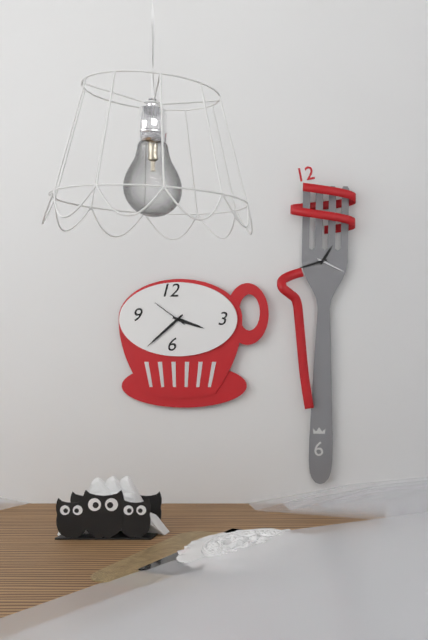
{"hour": 3, "minute": 38}
